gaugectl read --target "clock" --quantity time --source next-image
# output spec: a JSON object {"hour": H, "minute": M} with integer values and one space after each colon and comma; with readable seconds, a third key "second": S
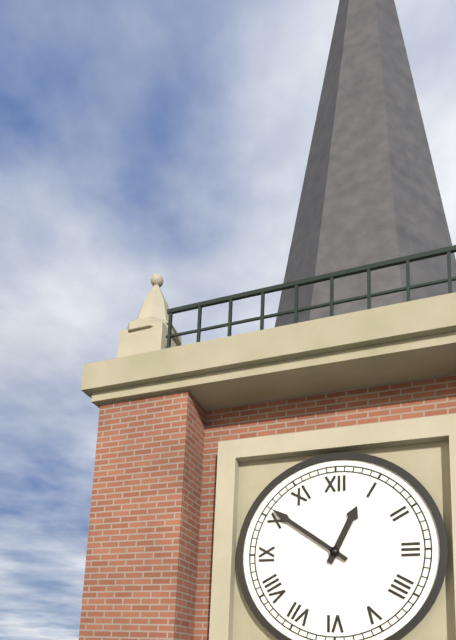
{"hour": 12, "minute": 51}
